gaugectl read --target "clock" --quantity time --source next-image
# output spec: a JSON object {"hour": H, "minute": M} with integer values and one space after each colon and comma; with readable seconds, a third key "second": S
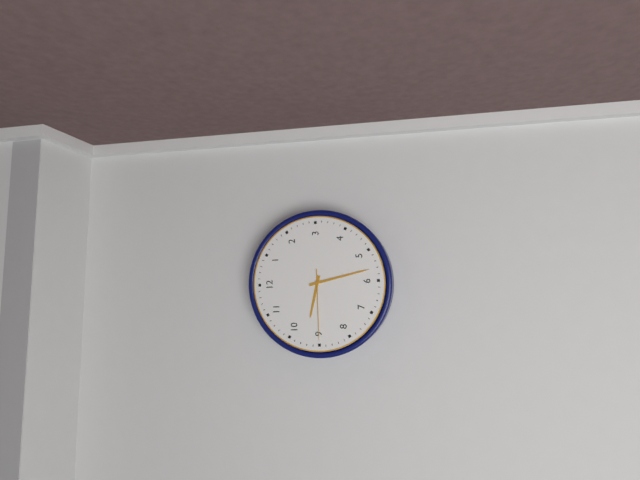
{"hour": 9, "minute": 28, "second": 45}
